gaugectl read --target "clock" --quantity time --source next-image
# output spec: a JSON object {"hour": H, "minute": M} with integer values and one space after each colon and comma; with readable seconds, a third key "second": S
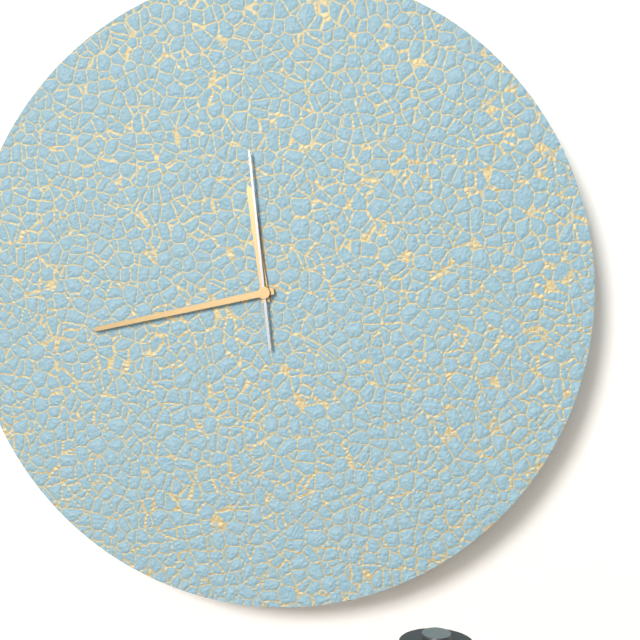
{"hour": 11, "minute": 43, "second": 59}
